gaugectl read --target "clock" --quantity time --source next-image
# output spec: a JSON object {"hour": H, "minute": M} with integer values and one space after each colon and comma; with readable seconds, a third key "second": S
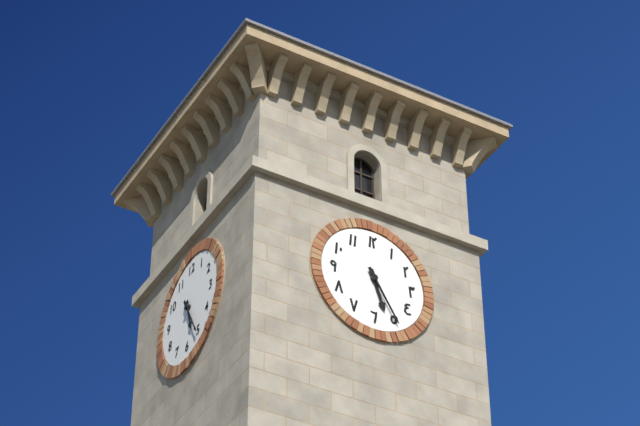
{"hour": 5, "minute": 25}
